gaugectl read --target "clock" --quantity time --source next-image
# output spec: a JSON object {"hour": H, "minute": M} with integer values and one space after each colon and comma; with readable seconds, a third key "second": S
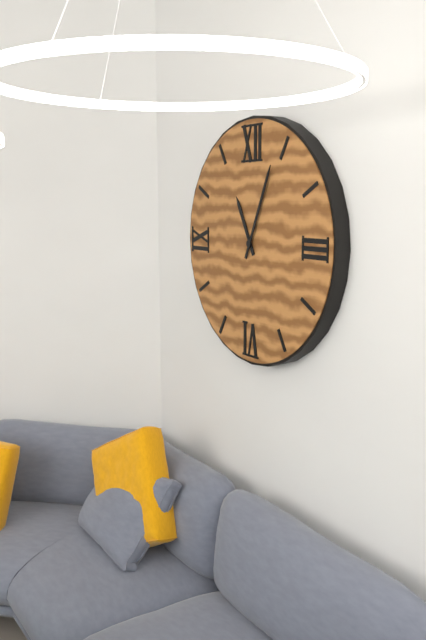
{"hour": 11, "minute": 4}
